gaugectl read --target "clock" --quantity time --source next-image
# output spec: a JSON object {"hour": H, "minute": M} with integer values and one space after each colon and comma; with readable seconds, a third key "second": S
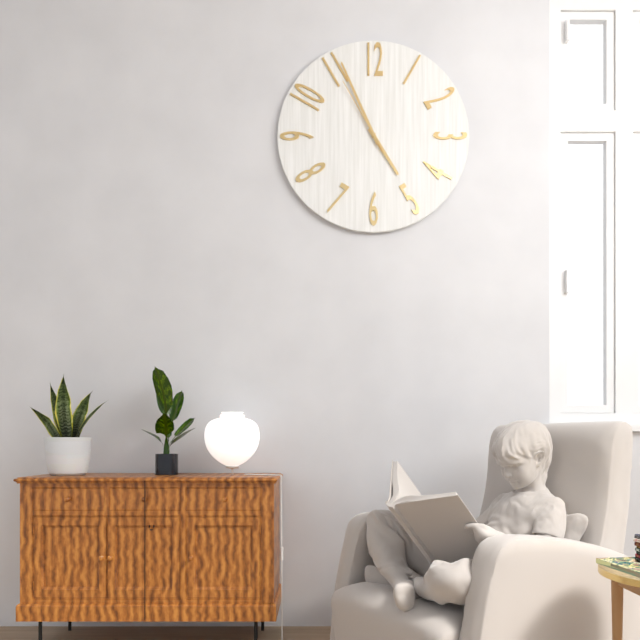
{"hour": 4, "minute": 56, "second": 55}
